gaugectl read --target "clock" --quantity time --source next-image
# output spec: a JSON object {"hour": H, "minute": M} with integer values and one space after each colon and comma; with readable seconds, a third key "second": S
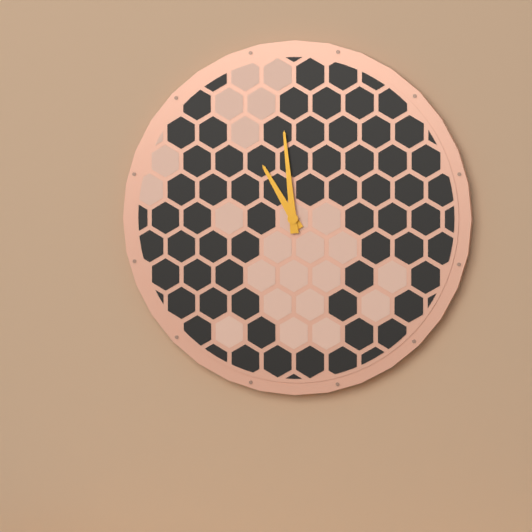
{"hour": 10, "minute": 59}
